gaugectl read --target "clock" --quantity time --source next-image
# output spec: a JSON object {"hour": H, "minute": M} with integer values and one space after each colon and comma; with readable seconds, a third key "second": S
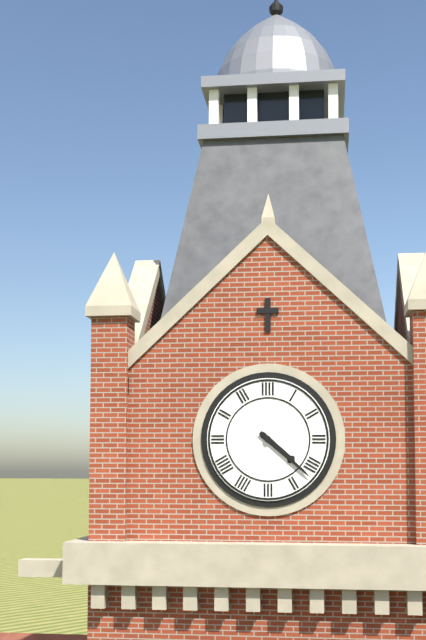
{"hour": 4, "minute": 22}
